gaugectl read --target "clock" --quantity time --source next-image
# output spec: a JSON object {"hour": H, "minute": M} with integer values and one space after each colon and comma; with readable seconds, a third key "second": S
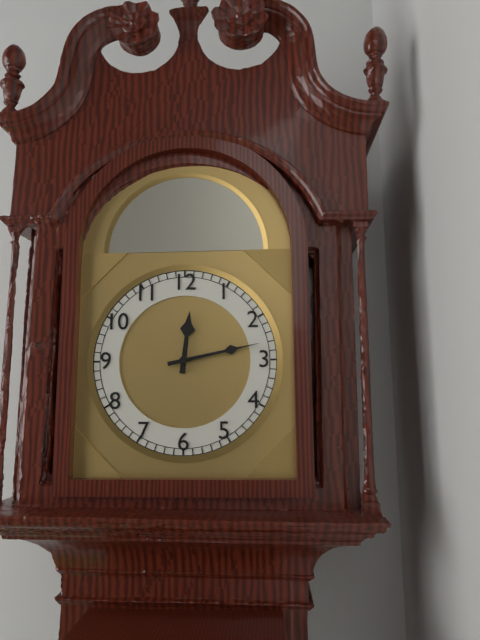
{"hour": 12, "minute": 13}
